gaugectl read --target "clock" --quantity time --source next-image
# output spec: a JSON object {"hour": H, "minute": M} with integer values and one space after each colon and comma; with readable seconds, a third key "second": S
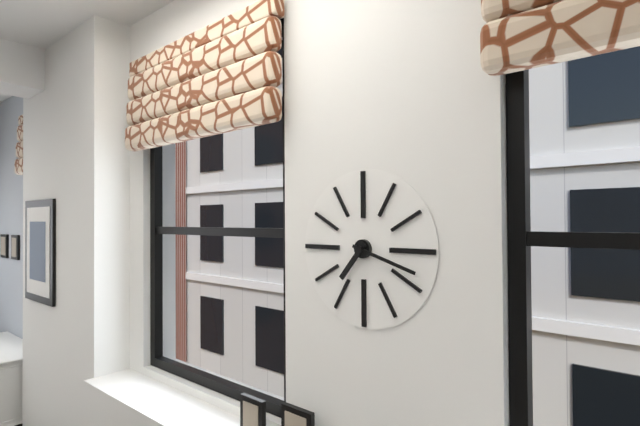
{"hour": 7, "minute": 18}
